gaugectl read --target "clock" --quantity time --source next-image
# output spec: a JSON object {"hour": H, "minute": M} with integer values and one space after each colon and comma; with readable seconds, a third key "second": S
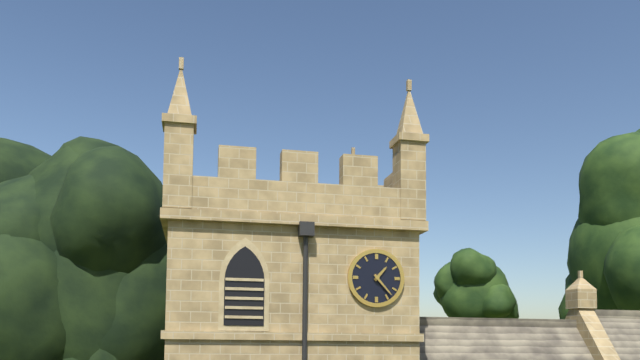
{"hour": 1, "minute": 23}
